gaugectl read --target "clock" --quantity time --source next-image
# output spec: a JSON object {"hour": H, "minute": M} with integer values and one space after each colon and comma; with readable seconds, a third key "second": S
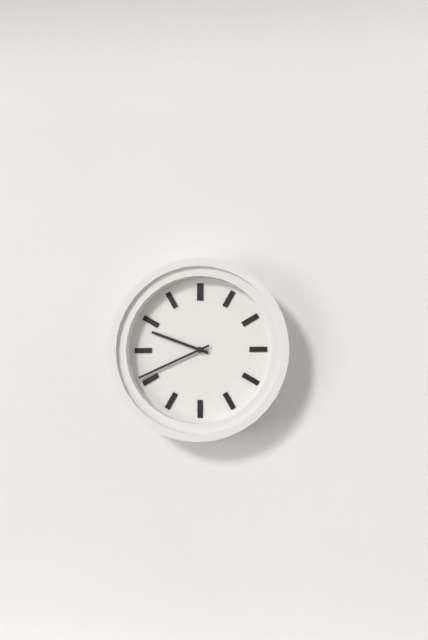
{"hour": 9, "minute": 41}
